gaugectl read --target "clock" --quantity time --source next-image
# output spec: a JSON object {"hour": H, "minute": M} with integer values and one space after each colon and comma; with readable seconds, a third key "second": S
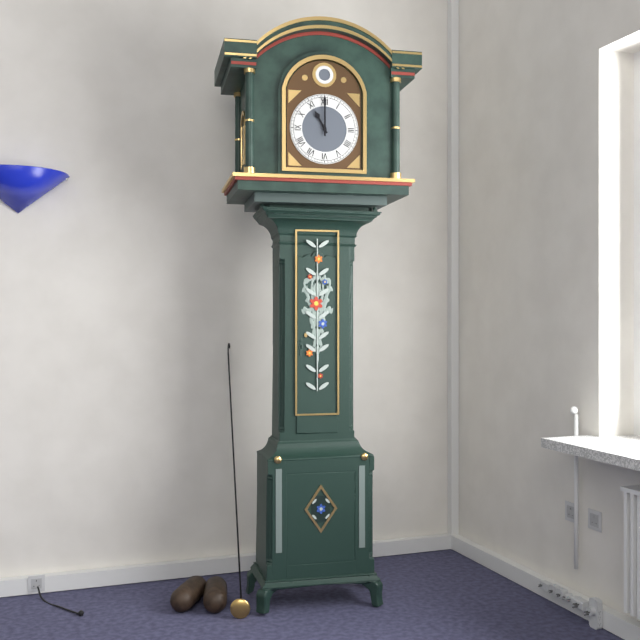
{"hour": 11, "minute": 0}
